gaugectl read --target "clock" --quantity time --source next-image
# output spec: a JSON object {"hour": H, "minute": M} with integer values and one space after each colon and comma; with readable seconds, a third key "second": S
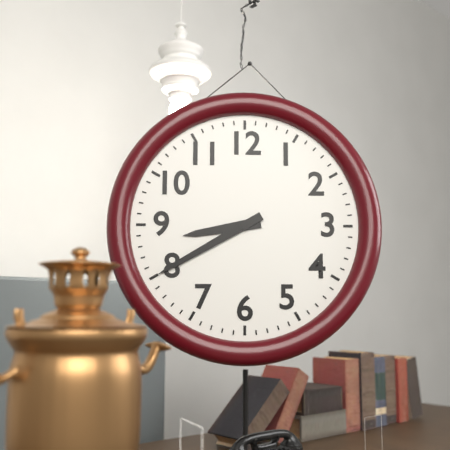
{"hour": 8, "minute": 40}
